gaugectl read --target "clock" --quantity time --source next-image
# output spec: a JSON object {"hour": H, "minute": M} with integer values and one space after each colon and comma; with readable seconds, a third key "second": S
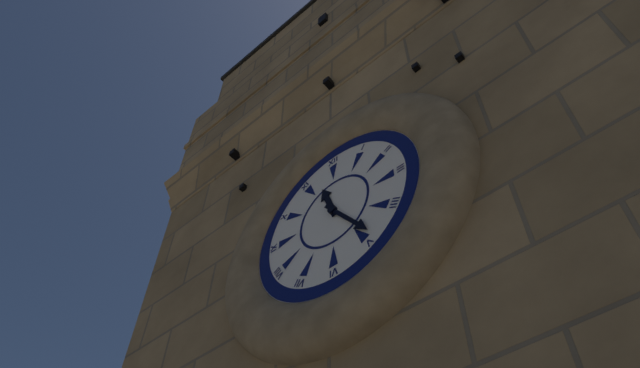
{"hour": 11, "minute": 24}
